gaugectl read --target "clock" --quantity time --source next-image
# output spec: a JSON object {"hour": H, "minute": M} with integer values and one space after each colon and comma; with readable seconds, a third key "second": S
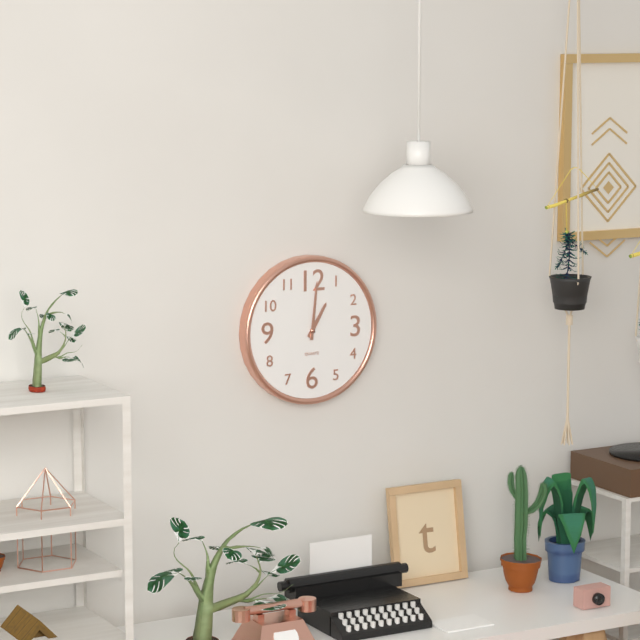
{"hour": 1, "minute": 1}
